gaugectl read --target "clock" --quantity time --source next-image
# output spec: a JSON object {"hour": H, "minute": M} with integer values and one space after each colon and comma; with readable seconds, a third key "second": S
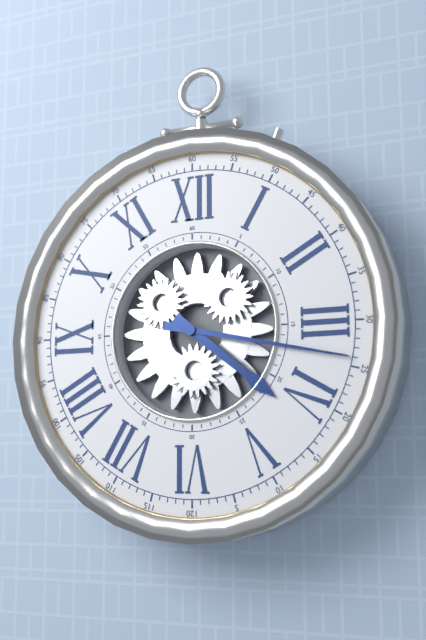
{"hour": 4, "minute": 17}
